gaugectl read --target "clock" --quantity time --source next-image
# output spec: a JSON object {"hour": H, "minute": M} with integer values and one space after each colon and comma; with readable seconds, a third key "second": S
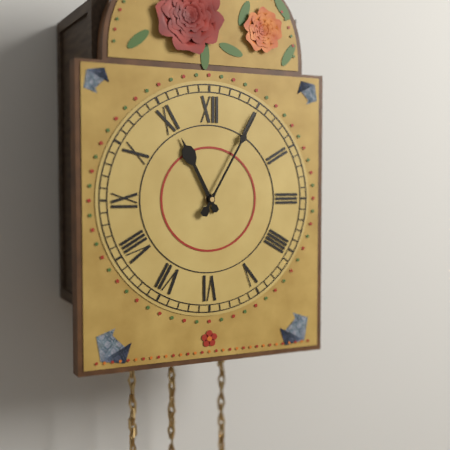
{"hour": 11, "minute": 5}
